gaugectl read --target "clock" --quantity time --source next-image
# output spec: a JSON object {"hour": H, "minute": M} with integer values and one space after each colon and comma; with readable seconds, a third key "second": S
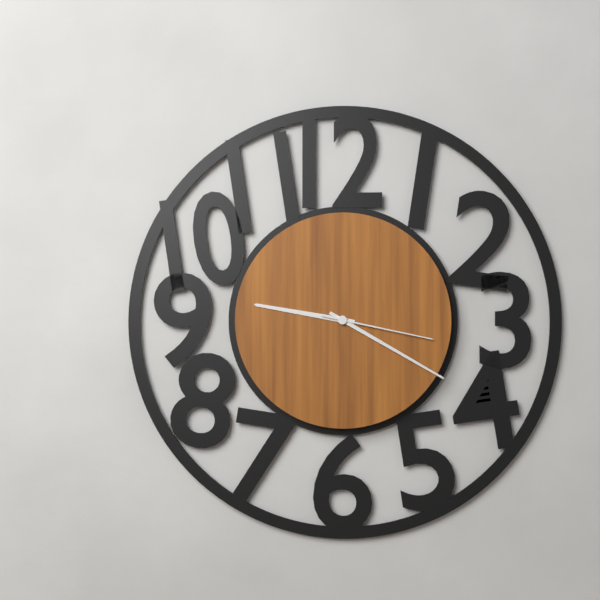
{"hour": 9, "minute": 20, "second": 17}
